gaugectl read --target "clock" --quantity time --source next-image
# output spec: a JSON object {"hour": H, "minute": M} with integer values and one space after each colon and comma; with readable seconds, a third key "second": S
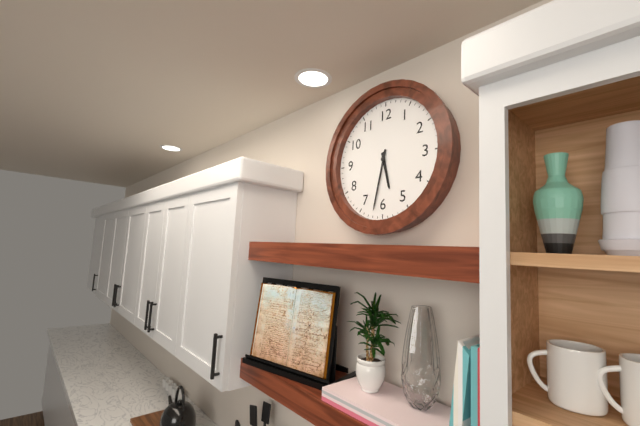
{"hour": 5, "minute": 32}
